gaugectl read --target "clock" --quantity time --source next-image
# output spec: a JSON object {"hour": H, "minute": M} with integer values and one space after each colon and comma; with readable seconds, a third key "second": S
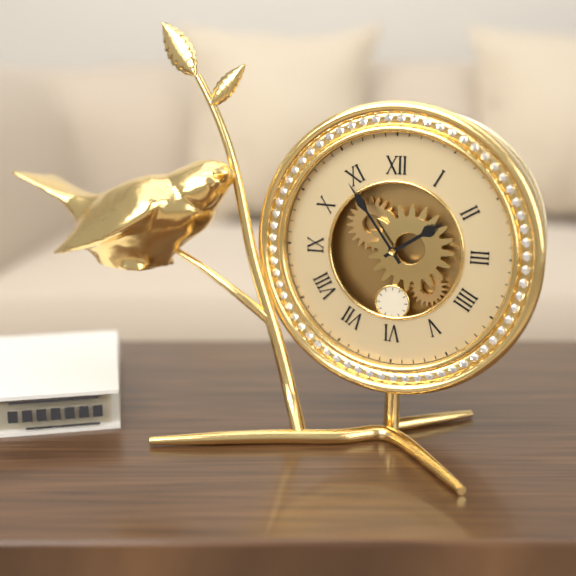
{"hour": 1, "minute": 54}
